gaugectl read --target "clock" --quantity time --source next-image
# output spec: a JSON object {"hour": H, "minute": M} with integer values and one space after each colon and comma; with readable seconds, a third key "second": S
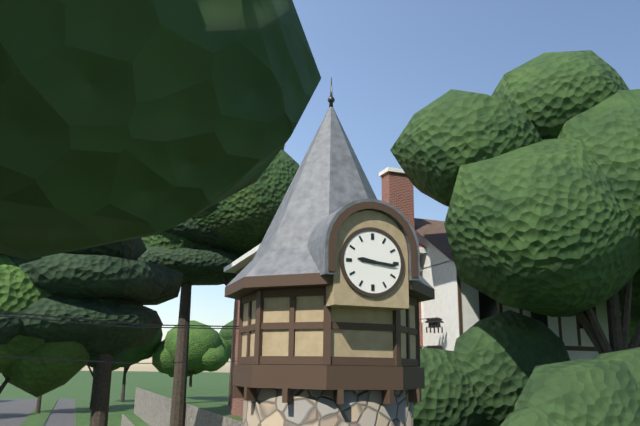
{"hour": 9, "minute": 16}
